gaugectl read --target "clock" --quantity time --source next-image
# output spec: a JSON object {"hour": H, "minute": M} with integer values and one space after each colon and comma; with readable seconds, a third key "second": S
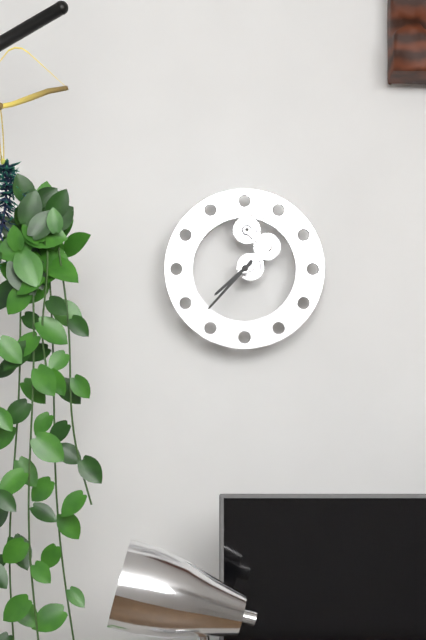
{"hour": 7, "minute": 37}
